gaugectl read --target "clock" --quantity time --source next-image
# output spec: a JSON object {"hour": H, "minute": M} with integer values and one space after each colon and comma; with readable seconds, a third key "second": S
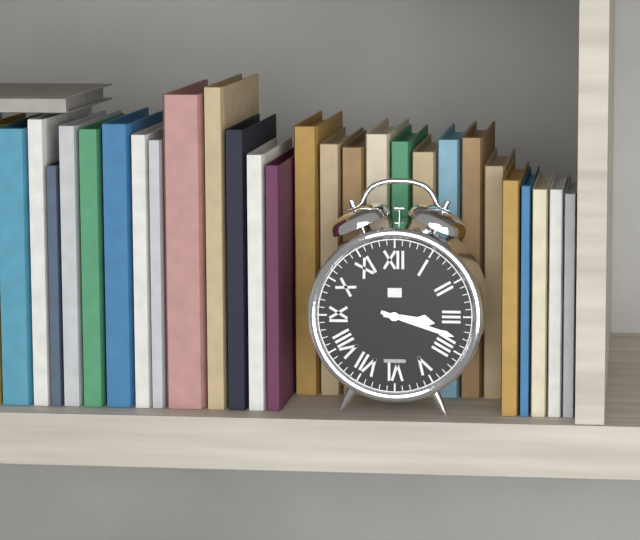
{"hour": 3, "minute": 18}
